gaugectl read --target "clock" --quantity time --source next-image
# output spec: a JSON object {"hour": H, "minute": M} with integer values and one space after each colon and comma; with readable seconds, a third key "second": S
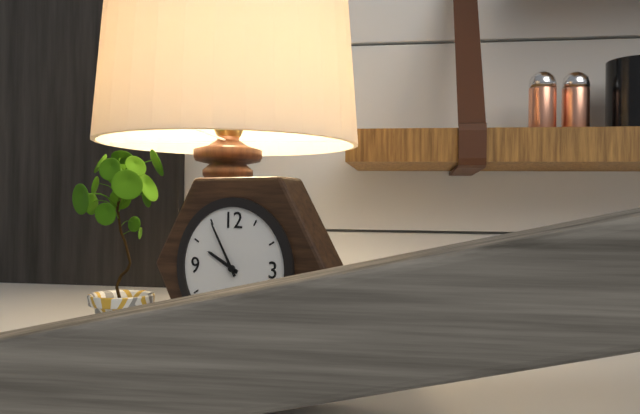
{"hour": 9, "minute": 55}
